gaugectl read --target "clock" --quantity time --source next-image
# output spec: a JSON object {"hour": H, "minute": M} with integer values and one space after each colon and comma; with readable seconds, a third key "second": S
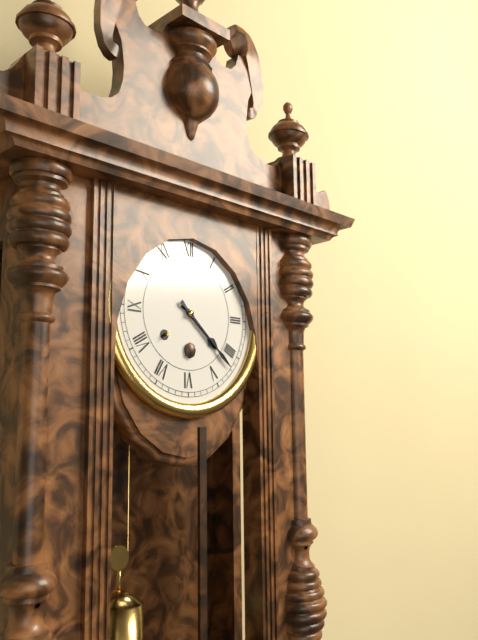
{"hour": 4, "minute": 22}
